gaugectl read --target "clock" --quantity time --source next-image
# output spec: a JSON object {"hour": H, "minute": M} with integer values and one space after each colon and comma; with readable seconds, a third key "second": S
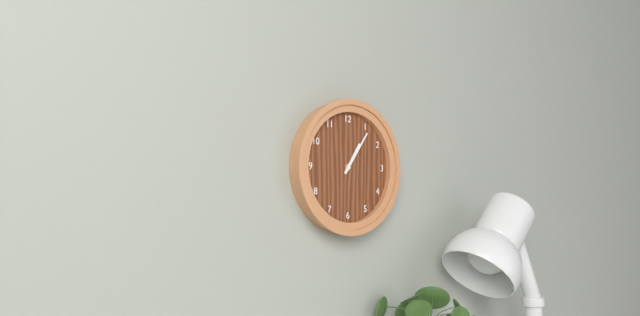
{"hour": 1, "minute": 6}
